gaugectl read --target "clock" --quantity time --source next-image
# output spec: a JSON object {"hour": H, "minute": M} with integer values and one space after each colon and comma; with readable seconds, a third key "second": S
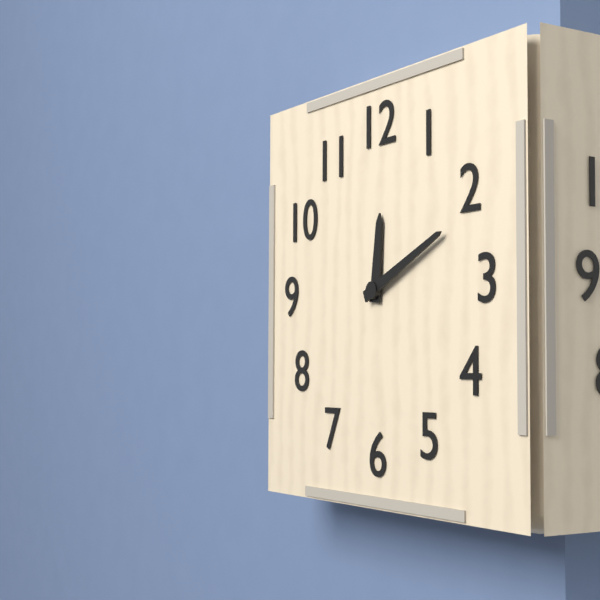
{"hour": 12, "minute": 11}
